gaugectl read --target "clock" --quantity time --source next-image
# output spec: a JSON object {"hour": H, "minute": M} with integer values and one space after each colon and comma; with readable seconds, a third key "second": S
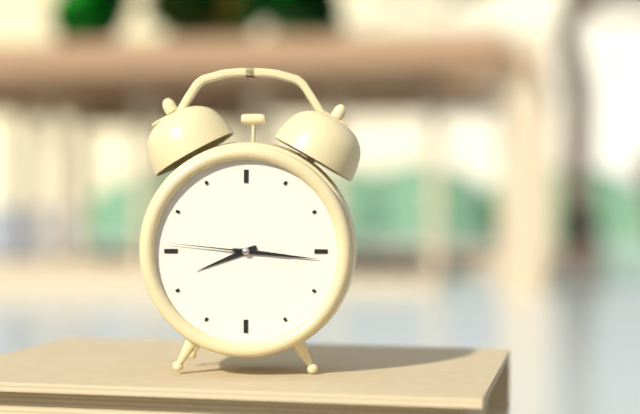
{"hour": 8, "minute": 16, "second": 46}
